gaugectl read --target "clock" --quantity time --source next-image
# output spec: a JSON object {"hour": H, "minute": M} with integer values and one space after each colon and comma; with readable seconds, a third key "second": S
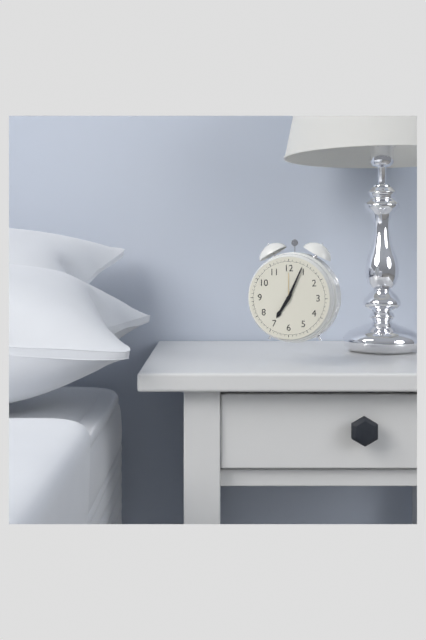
{"hour": 7, "minute": 4}
